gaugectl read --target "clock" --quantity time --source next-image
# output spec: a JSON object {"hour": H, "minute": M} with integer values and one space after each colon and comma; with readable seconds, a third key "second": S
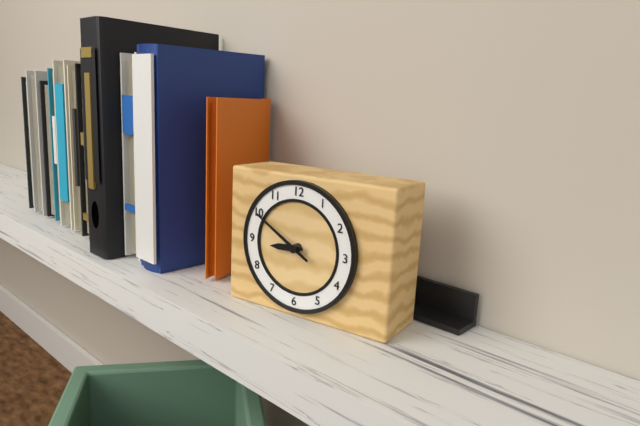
{"hour": 8, "minute": 50}
